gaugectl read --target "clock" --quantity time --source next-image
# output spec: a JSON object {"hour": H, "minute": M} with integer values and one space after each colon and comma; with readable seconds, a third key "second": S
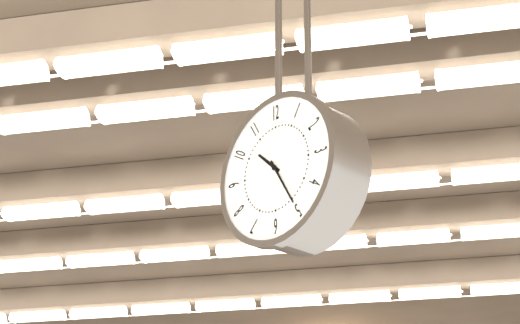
{"hour": 10, "minute": 25}
